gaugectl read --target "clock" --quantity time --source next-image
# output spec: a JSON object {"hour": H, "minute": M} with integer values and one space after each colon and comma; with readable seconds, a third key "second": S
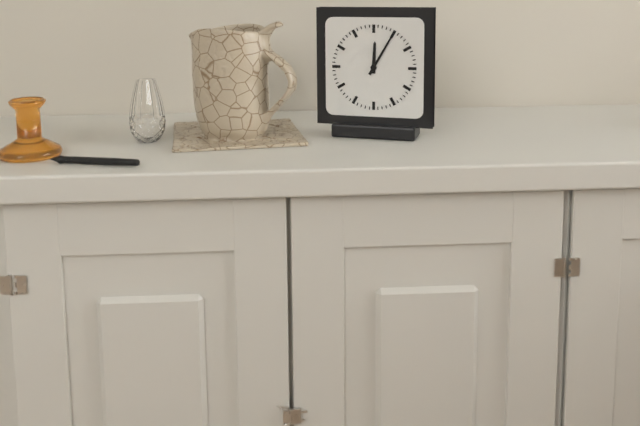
{"hour": 12, "minute": 5}
